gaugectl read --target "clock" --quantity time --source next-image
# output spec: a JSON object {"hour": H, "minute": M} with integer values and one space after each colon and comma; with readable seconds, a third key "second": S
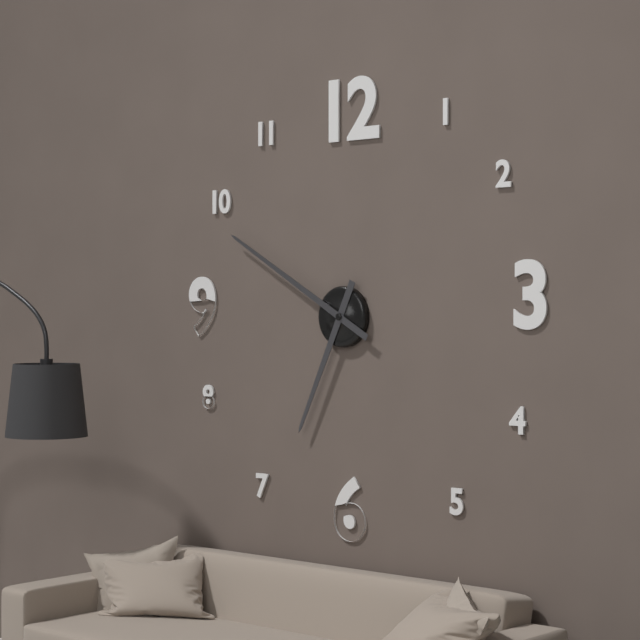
{"hour": 6, "minute": 50}
